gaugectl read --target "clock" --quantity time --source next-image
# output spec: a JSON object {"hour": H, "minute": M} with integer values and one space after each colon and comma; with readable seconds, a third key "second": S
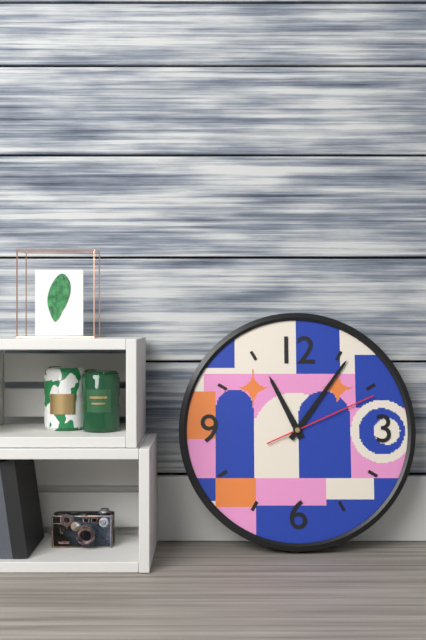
{"hour": 11, "minute": 6, "second": 11}
